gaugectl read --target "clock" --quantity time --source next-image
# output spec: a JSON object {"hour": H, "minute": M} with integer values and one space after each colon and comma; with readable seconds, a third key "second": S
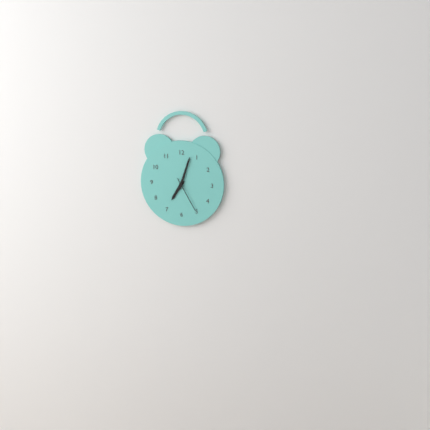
{"hour": 7, "minute": 3}
